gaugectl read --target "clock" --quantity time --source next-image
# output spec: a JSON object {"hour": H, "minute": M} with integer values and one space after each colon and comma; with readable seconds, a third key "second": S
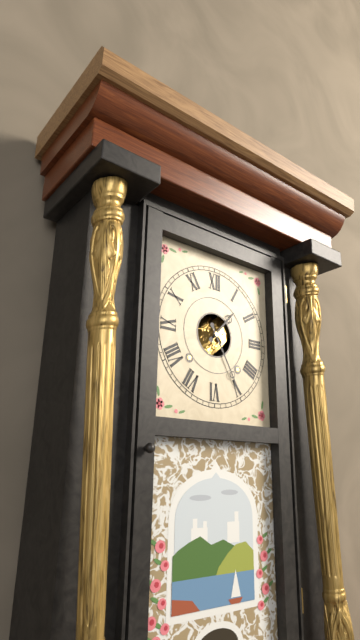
{"hour": 1, "minute": 25}
